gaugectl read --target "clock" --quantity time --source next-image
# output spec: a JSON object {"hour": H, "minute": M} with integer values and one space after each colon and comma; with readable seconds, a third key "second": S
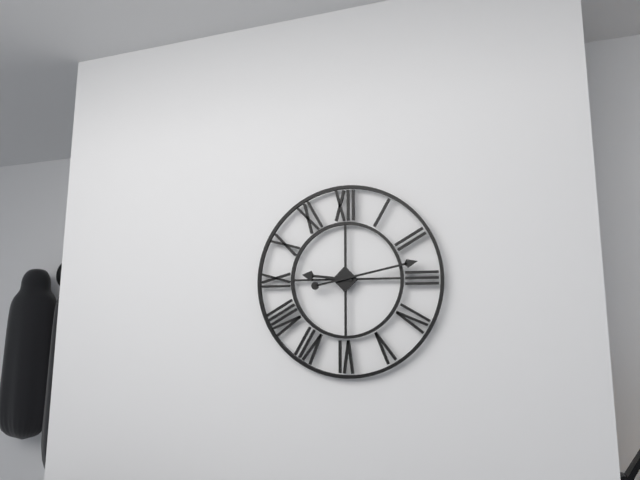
{"hour": 9, "minute": 13}
